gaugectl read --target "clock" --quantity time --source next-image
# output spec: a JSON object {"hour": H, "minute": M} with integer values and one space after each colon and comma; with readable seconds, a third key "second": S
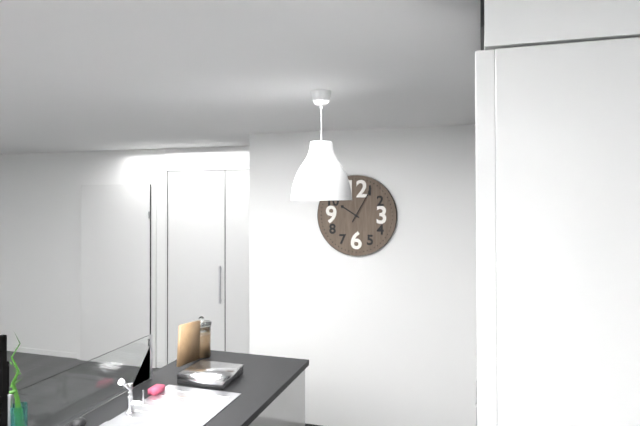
{"hour": 10, "minute": 5}
